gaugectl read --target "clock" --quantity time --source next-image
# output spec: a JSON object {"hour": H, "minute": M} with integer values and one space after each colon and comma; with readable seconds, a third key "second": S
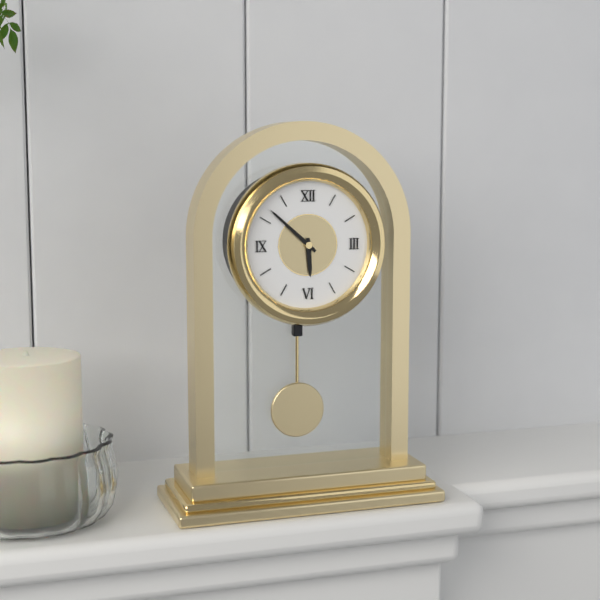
{"hour": 5, "minute": 52}
